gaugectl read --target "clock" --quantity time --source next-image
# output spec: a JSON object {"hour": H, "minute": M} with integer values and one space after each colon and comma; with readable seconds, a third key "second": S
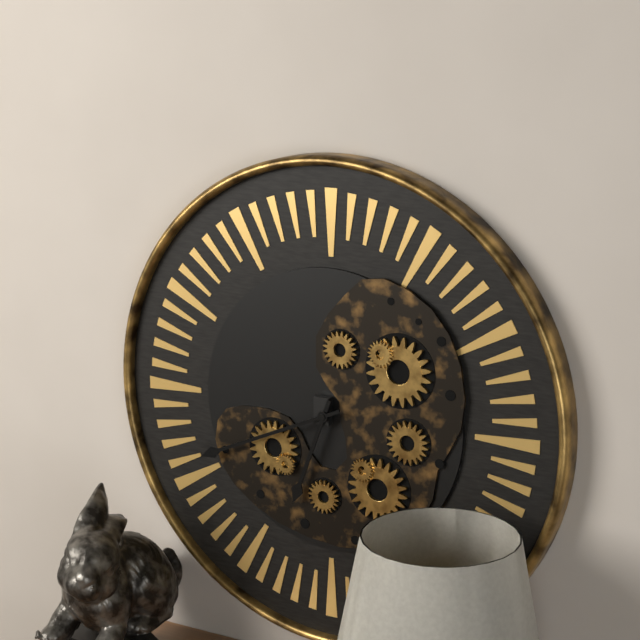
{"hour": 6, "minute": 41}
